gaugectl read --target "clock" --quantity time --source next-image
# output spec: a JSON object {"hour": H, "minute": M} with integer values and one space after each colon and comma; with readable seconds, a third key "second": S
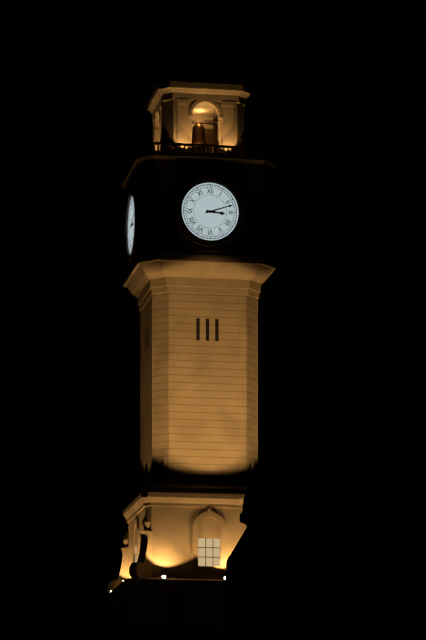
{"hour": 3, "minute": 12}
